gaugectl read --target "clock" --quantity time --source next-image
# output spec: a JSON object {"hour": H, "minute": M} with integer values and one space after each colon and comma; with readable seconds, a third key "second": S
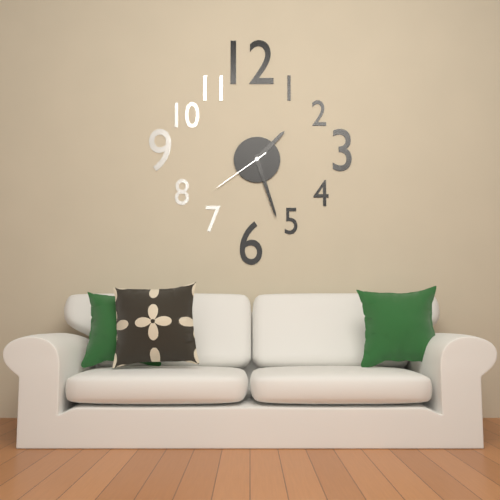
{"hour": 1, "minute": 27, "second": 39}
